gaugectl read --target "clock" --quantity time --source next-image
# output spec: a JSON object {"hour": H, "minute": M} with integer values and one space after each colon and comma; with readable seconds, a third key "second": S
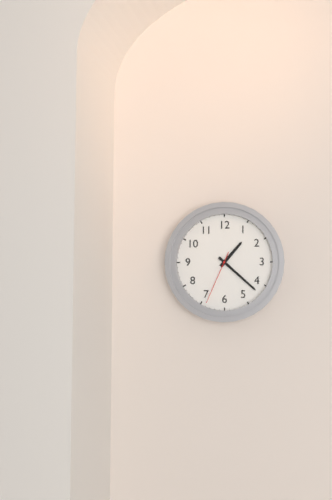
{"hour": 1, "minute": 22, "second": 34}
